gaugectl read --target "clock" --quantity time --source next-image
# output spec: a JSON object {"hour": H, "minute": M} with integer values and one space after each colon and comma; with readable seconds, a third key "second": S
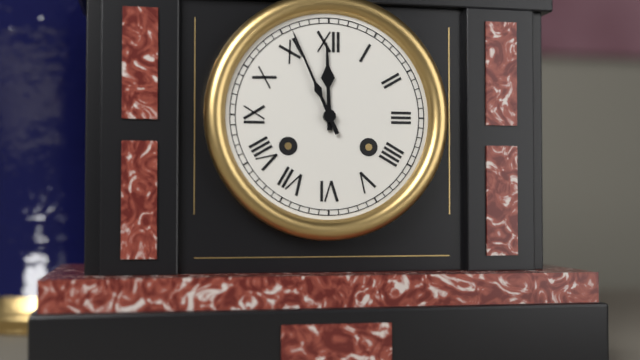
{"hour": 11, "minute": 56}
